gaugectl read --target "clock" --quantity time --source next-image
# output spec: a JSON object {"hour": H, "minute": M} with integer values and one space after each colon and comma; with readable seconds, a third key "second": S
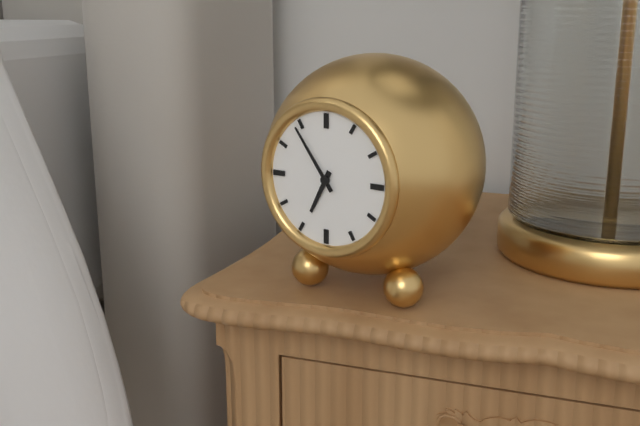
{"hour": 6, "minute": 54}
